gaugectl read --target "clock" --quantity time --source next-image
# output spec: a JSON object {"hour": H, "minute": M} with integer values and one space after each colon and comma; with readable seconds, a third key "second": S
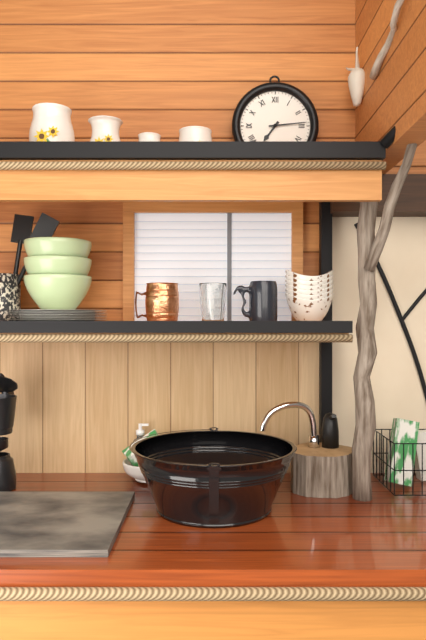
{"hour": 7, "minute": 14}
